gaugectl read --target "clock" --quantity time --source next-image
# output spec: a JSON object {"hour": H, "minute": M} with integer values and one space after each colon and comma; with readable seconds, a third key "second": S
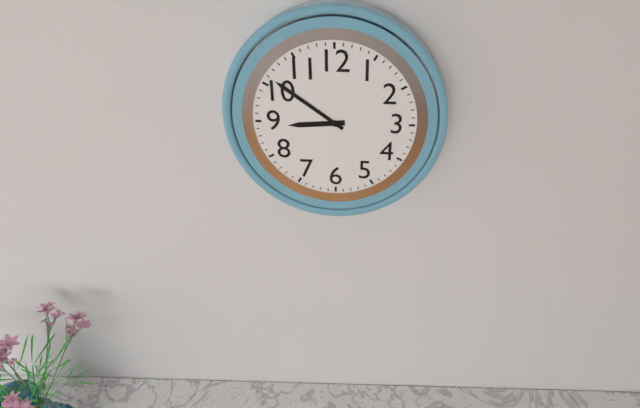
{"hour": 8, "minute": 51}
